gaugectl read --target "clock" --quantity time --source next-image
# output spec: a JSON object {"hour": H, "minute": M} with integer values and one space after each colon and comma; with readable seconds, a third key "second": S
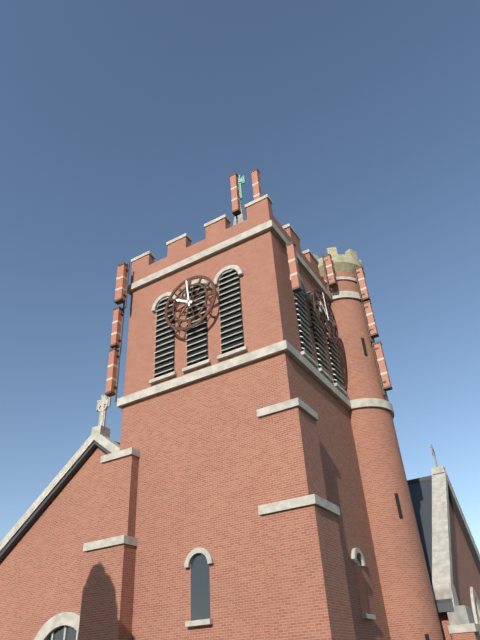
{"hour": 9, "minute": 59}
